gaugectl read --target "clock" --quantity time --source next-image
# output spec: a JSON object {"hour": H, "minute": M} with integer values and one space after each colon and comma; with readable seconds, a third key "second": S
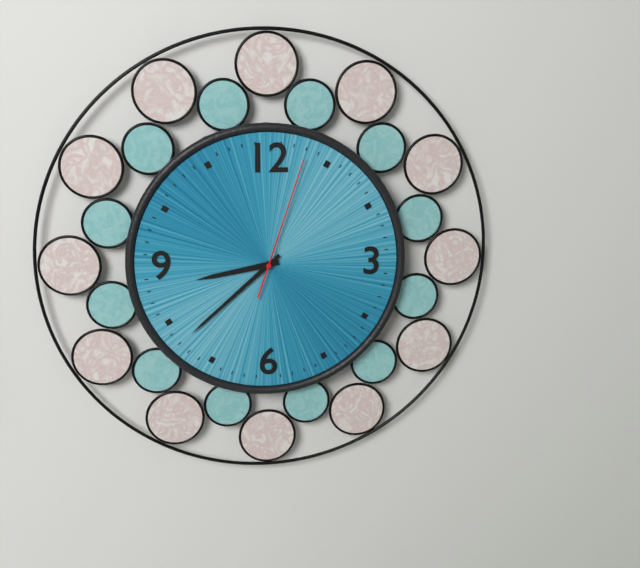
{"hour": 8, "minute": 38, "second": 3}
